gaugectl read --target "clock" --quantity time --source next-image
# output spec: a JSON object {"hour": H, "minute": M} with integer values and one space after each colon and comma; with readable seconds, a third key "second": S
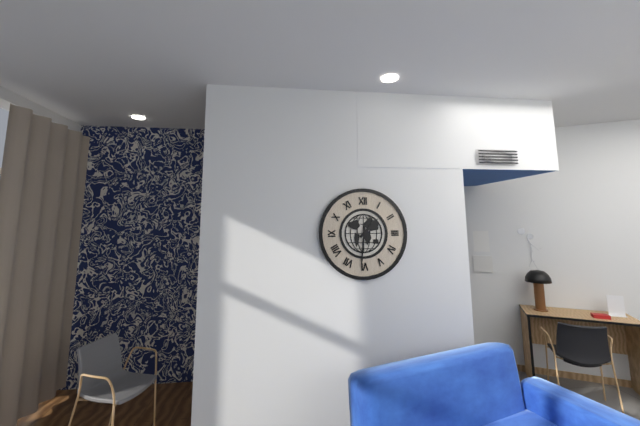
{"hour": 1, "minute": 31}
